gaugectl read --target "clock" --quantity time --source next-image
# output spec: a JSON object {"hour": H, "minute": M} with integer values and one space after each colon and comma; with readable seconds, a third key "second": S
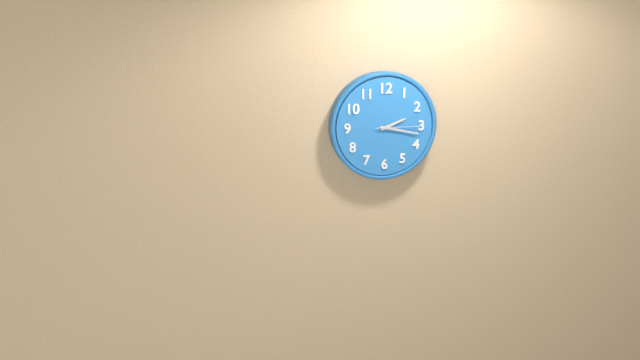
{"hour": 2, "minute": 17}
